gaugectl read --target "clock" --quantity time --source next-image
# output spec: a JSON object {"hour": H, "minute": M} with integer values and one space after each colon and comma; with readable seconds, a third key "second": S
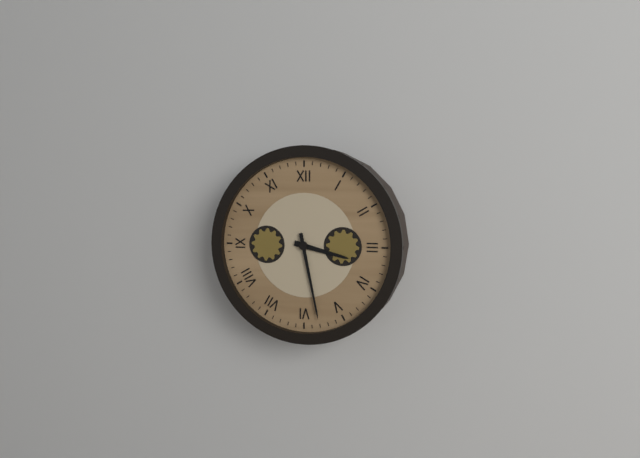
{"hour": 3, "minute": 28}
